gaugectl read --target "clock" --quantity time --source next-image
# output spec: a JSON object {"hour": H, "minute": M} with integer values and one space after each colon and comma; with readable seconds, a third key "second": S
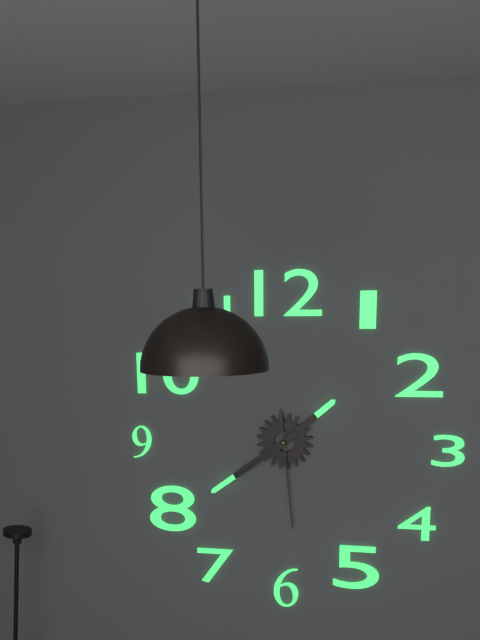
{"hour": 1, "minute": 39, "second": 29}
